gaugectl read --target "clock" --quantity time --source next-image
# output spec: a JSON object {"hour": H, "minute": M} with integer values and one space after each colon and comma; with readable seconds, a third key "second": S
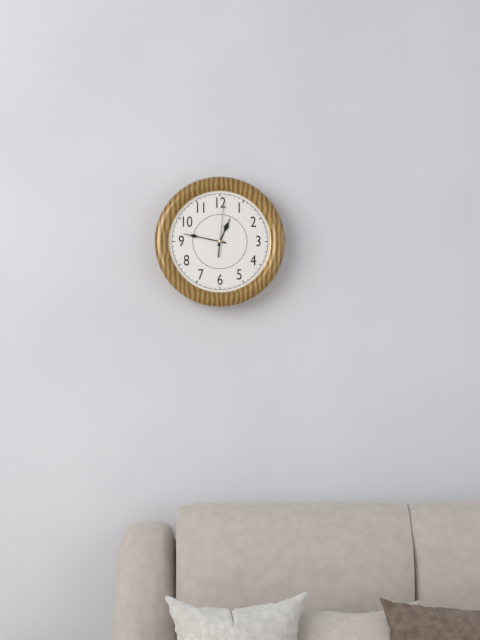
{"hour": 12, "minute": 47, "second": 1}
